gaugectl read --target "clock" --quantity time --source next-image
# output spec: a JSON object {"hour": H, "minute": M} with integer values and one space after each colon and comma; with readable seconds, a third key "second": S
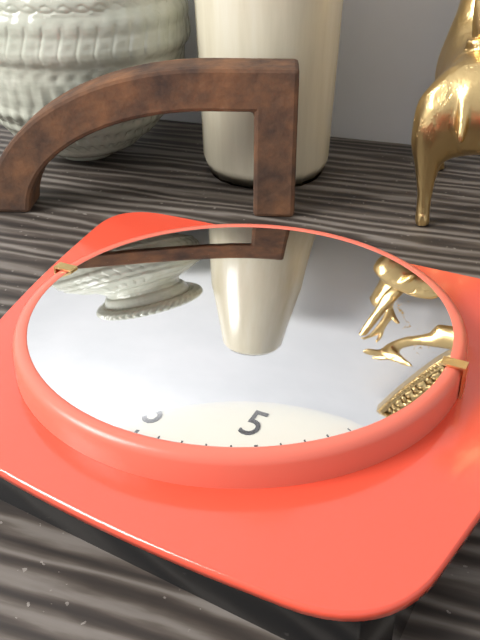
{"hour": 4, "minute": 19, "second": 15}
